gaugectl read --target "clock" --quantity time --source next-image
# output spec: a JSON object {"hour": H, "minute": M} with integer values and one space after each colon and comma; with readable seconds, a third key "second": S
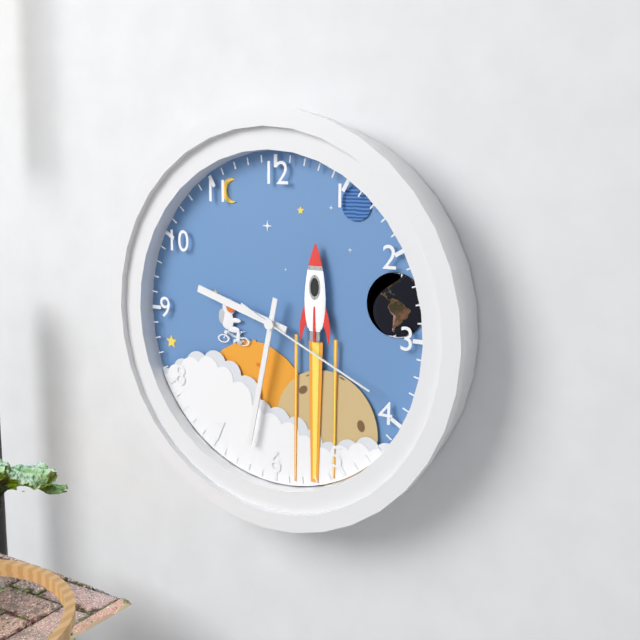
{"hour": 9, "minute": 32, "second": 19}
